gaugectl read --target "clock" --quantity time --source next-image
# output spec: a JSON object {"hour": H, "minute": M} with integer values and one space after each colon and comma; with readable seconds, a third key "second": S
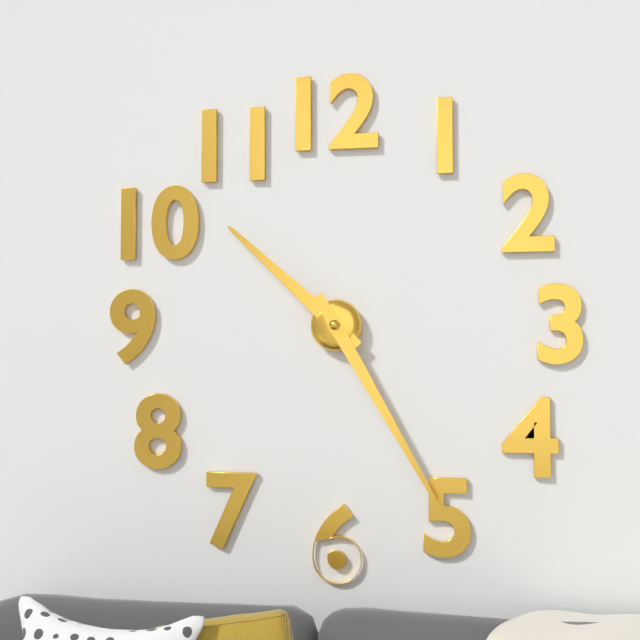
{"hour": 10, "minute": 25}
